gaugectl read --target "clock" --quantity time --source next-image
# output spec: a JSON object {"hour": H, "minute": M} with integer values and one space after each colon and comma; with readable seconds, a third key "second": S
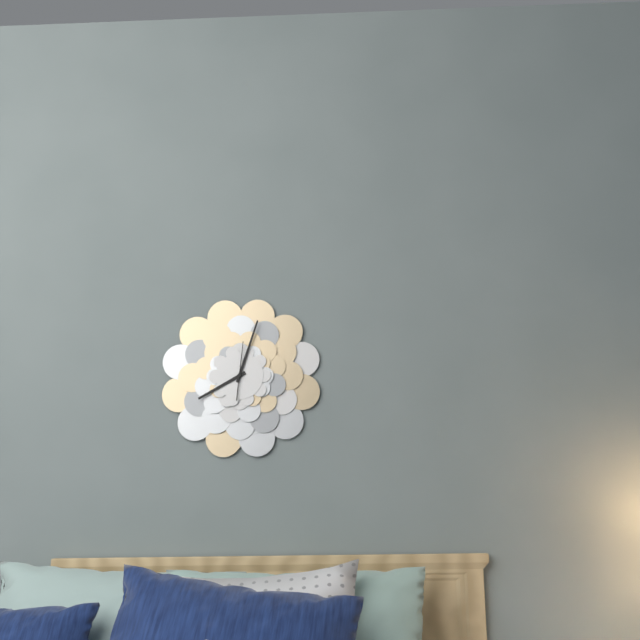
{"hour": 8, "minute": 3}
